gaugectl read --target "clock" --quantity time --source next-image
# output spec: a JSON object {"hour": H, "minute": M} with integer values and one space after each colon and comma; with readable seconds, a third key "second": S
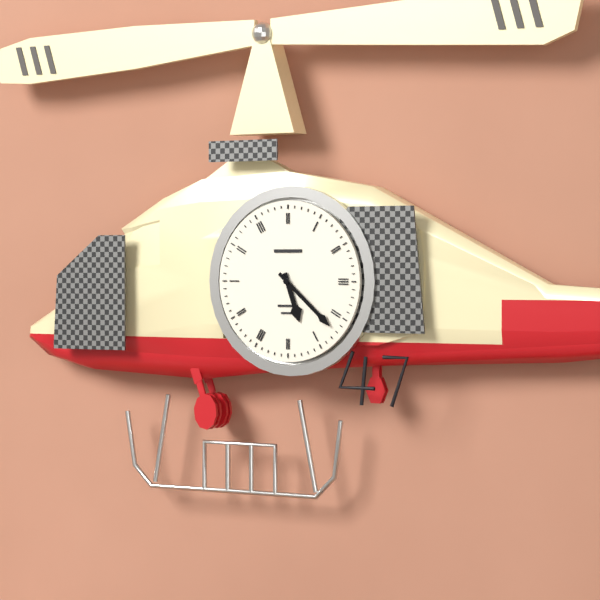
{"hour": 5, "minute": 22}
